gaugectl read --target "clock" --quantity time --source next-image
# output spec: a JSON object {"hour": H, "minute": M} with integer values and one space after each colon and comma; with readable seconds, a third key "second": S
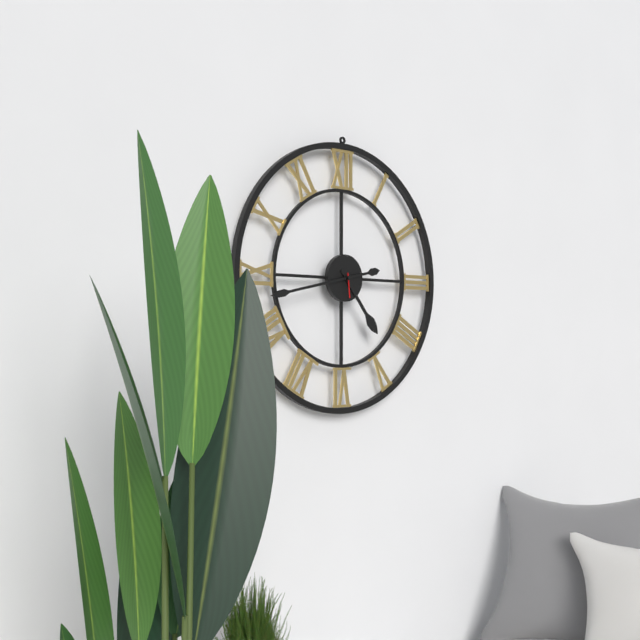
{"hour": 4, "minute": 43}
